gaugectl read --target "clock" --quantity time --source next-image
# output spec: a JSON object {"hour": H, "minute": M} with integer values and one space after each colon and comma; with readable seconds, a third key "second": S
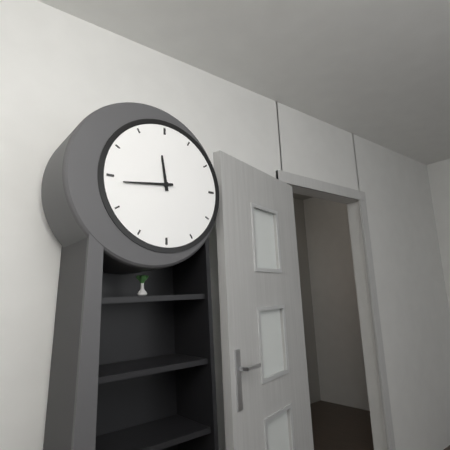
{"hour": 11, "minute": 44}
